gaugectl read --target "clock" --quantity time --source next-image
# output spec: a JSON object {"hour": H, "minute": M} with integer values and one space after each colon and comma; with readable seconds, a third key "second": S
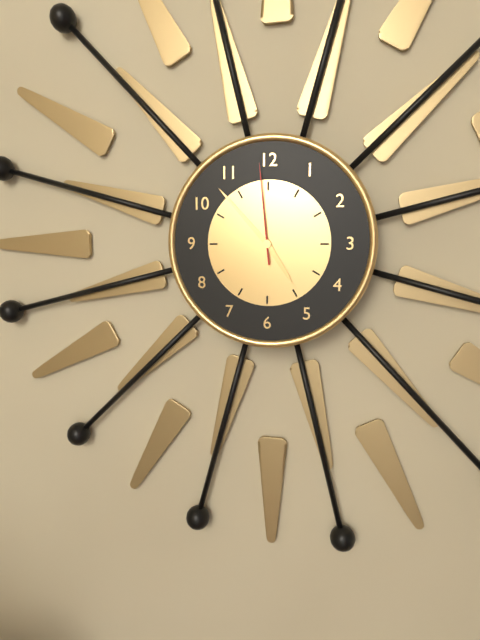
{"hour": 4, "minute": 53, "second": 59}
